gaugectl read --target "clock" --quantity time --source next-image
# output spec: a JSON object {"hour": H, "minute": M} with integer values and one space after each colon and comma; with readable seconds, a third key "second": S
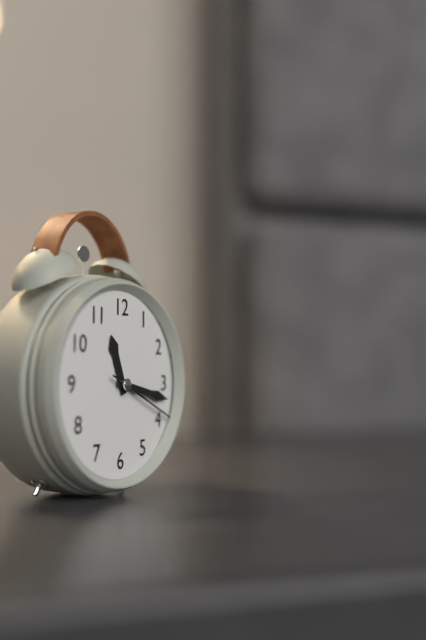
{"hour": 11, "minute": 17, "second": 19}
